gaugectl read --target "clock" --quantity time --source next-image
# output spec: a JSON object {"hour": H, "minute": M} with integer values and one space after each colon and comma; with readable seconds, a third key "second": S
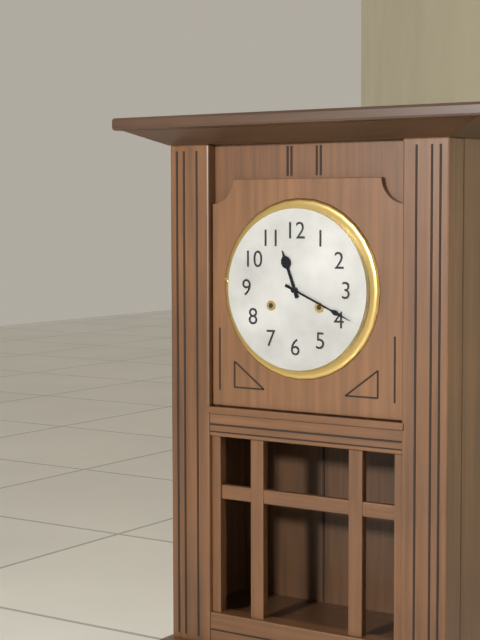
{"hour": 11, "minute": 19}
